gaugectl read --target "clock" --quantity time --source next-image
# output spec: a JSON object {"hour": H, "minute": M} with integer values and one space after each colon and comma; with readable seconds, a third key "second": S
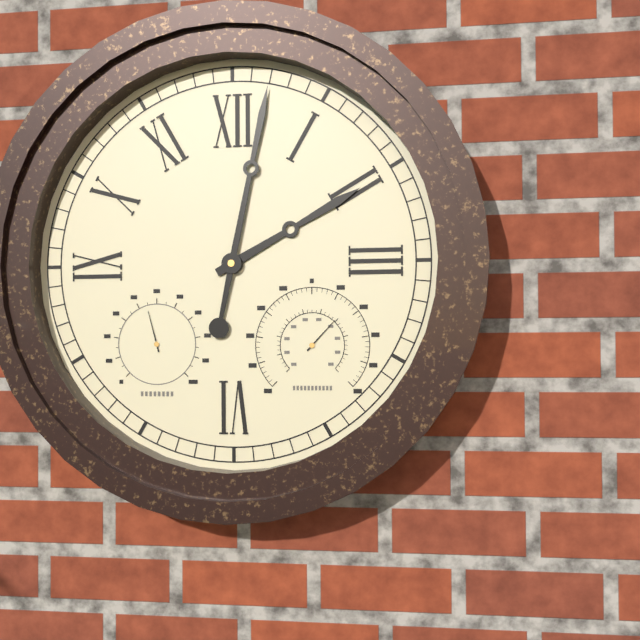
{"hour": 2, "minute": 2}
